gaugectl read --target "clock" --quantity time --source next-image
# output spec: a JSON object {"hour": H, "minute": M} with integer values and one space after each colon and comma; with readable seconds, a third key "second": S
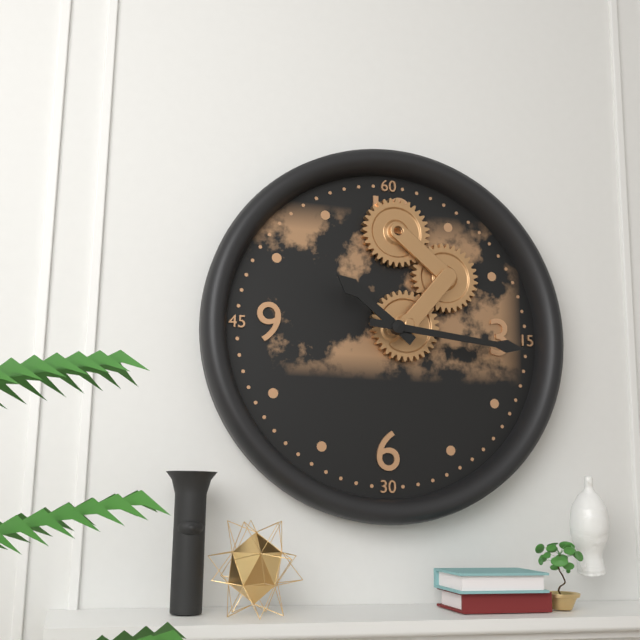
{"hour": 10, "minute": 16}
